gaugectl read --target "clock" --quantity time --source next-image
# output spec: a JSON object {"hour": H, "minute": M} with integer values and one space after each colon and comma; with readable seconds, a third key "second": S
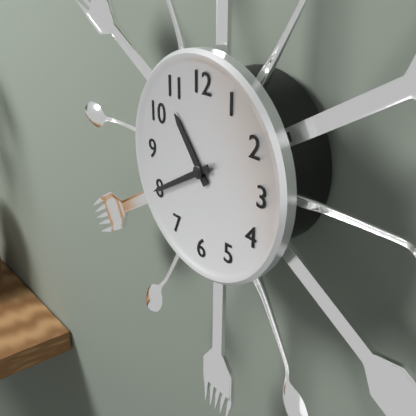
{"hour": 10, "minute": 40}
